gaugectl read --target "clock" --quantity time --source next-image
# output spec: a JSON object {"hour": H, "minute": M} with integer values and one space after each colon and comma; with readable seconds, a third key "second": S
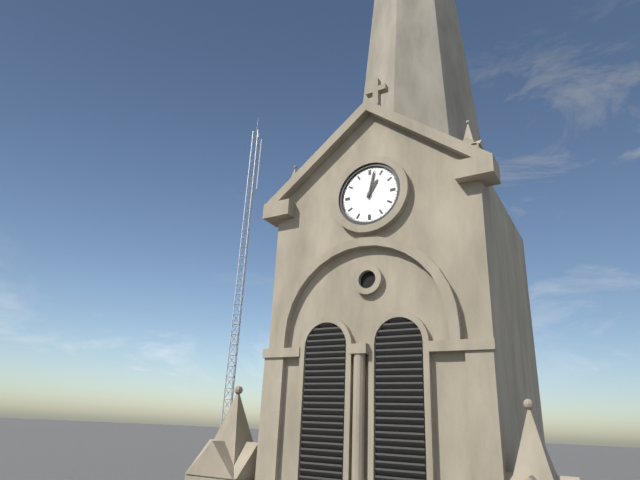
{"hour": 1, "minute": 2}
